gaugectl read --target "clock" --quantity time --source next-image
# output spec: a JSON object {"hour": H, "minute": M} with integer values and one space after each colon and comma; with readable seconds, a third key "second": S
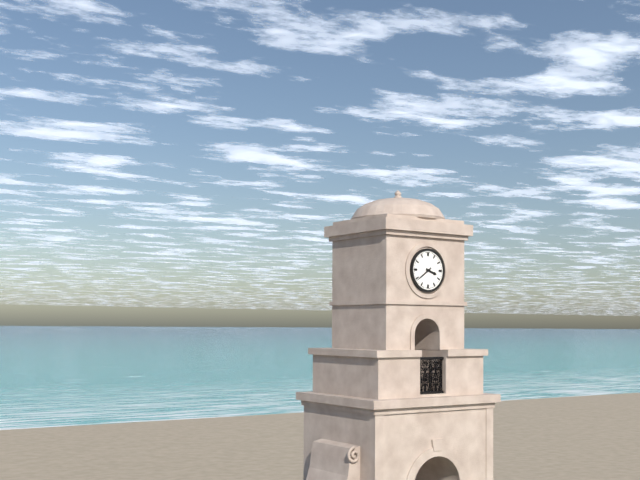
{"hour": 3, "minute": 39}
